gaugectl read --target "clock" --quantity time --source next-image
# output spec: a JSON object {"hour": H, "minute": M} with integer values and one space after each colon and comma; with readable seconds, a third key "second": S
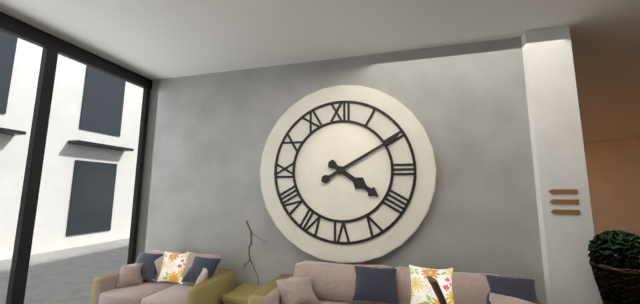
{"hour": 4, "minute": 10}
